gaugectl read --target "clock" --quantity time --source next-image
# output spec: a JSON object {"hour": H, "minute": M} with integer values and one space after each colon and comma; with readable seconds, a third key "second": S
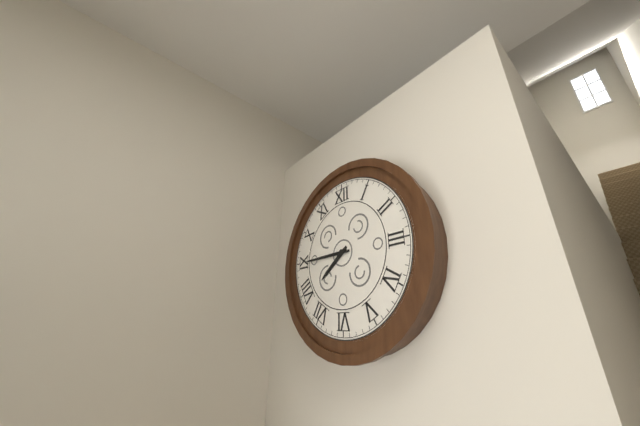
{"hour": 7, "minute": 45}
